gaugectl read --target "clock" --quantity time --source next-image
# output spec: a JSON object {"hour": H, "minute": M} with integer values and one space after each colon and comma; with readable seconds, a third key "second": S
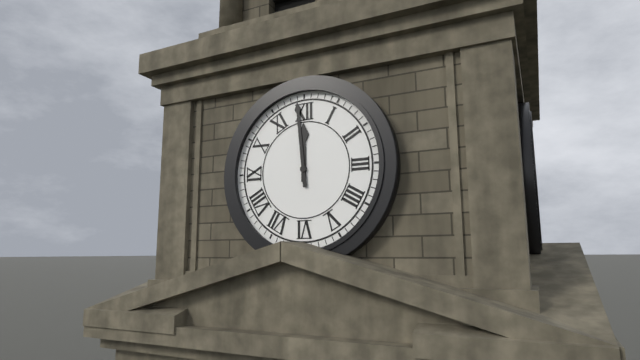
{"hour": 11, "minute": 59}
